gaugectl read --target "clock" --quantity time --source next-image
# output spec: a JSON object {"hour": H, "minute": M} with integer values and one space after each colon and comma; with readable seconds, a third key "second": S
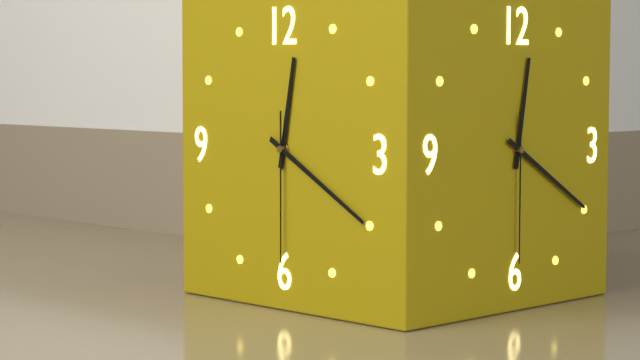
{"hour": 12, "minute": 20, "second": 30}
